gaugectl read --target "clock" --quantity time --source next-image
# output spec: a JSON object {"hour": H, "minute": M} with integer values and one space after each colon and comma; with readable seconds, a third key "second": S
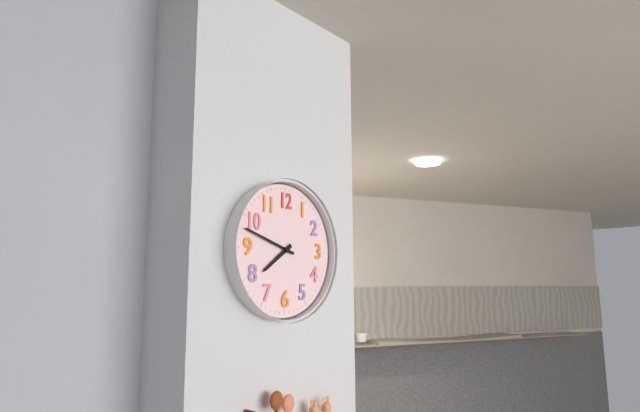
{"hour": 7, "minute": 48}
